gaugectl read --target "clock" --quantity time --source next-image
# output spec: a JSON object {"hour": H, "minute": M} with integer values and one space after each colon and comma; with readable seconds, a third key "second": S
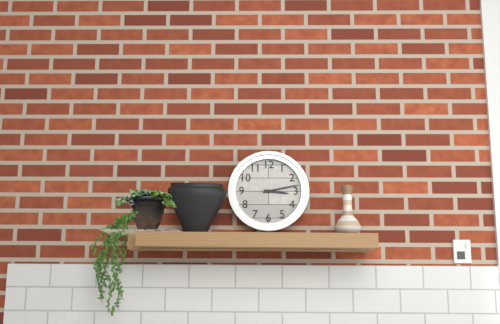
{"hour": 3, "minute": 13}
